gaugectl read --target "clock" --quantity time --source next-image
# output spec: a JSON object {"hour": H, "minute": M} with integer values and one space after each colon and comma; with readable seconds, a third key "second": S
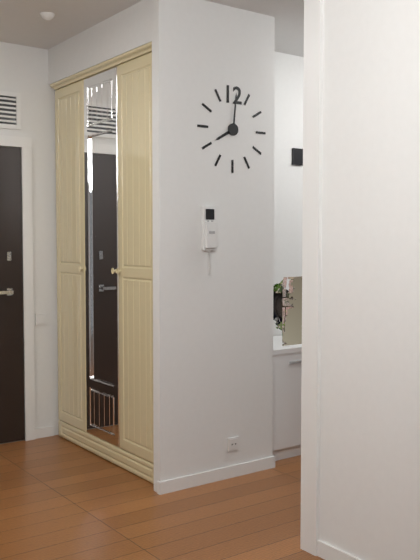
{"hour": 8, "minute": 1}
